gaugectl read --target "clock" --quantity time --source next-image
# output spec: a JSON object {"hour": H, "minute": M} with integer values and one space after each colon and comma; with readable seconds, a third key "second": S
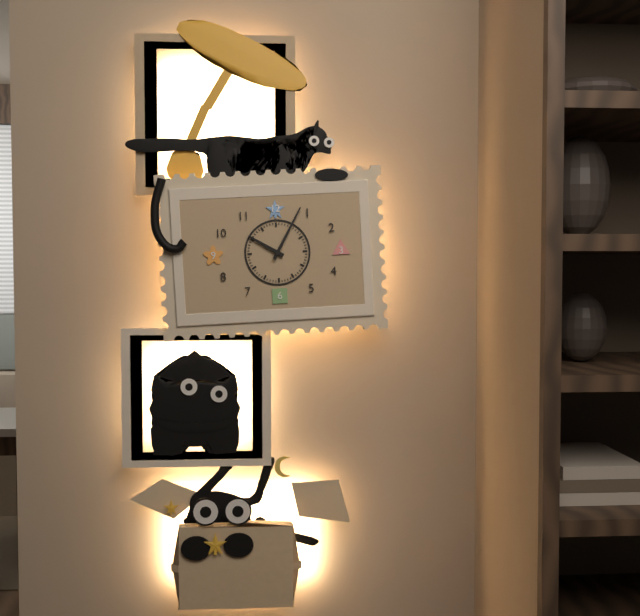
{"hour": 10, "minute": 5}
